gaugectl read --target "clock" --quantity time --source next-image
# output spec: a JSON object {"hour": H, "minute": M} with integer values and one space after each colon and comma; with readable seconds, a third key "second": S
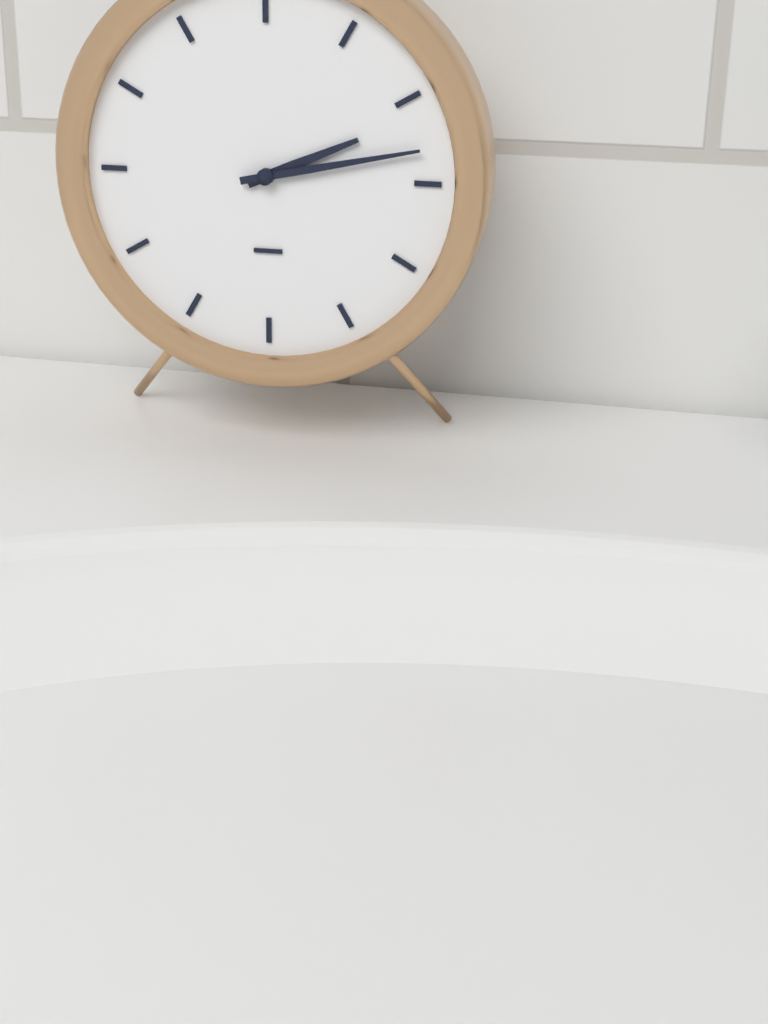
{"hour": 2, "minute": 13}
